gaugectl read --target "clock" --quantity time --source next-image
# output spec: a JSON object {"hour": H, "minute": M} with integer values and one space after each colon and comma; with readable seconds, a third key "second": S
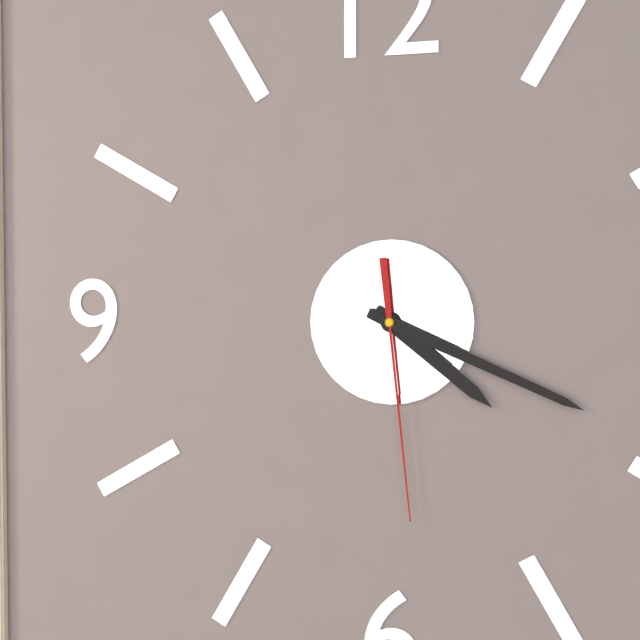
{"hour": 4, "minute": 19, "second": 29}
